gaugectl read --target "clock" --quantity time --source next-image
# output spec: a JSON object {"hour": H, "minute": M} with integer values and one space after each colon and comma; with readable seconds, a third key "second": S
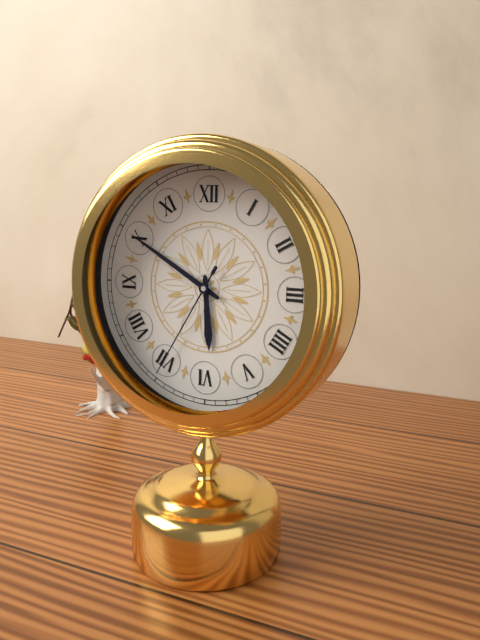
{"hour": 5, "minute": 50, "second": 35}
